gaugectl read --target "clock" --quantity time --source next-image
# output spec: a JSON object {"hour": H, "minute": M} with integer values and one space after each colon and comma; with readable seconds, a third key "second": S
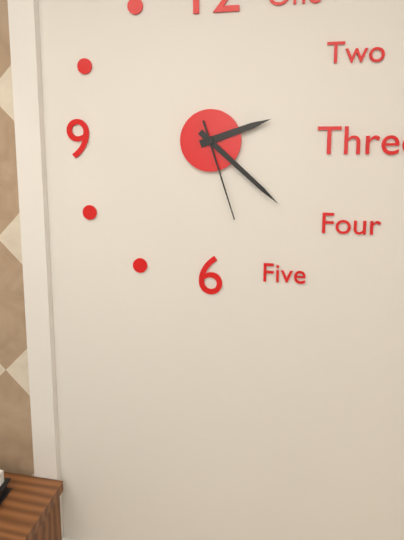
{"hour": 2, "minute": 22, "second": 27}
